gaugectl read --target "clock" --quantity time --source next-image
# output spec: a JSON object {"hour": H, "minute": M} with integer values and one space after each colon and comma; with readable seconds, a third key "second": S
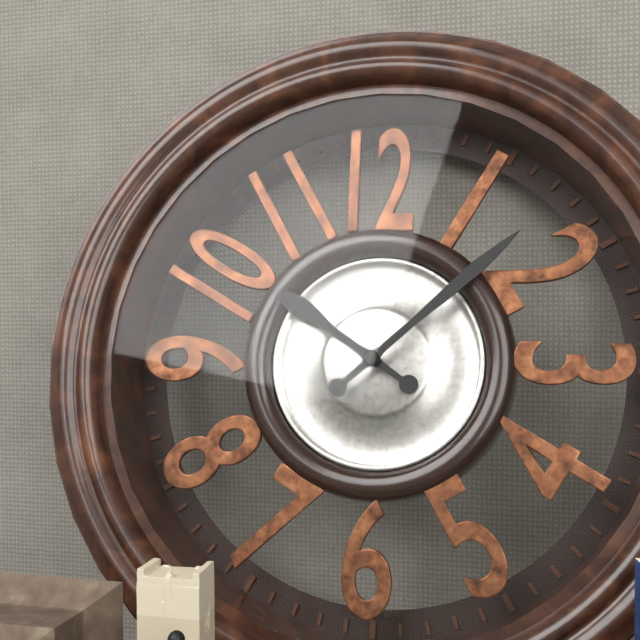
{"hour": 10, "minute": 8}
